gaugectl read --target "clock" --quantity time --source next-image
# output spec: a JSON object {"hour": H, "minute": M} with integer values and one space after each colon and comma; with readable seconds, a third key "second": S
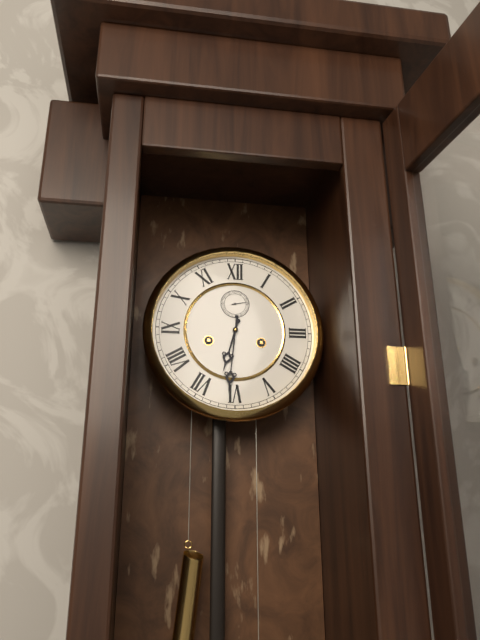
{"hour": 6, "minute": 31}
